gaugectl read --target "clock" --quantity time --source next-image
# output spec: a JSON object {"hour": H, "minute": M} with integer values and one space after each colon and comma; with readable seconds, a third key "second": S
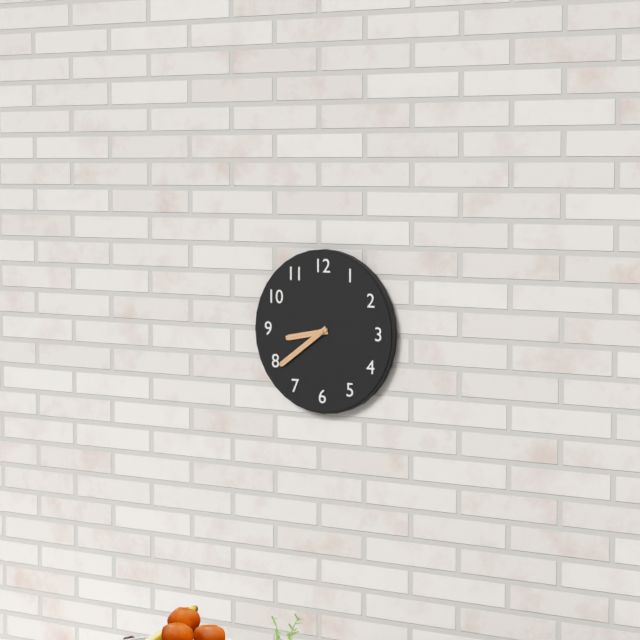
{"hour": 8, "minute": 39}
